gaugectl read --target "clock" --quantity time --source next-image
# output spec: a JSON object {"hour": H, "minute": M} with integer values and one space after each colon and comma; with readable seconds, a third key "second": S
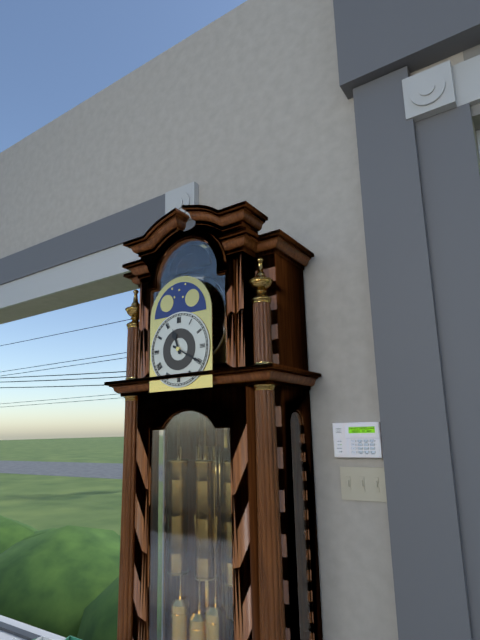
{"hour": 11, "minute": 20}
